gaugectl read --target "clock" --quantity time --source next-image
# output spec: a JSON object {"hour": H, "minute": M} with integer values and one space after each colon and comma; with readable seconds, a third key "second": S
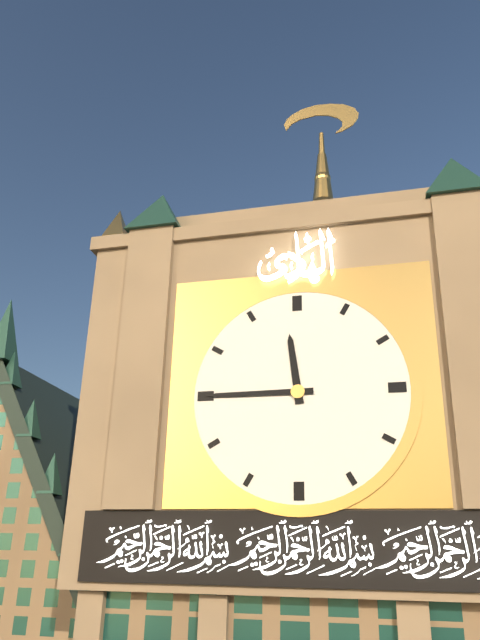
{"hour": 11, "minute": 45}
